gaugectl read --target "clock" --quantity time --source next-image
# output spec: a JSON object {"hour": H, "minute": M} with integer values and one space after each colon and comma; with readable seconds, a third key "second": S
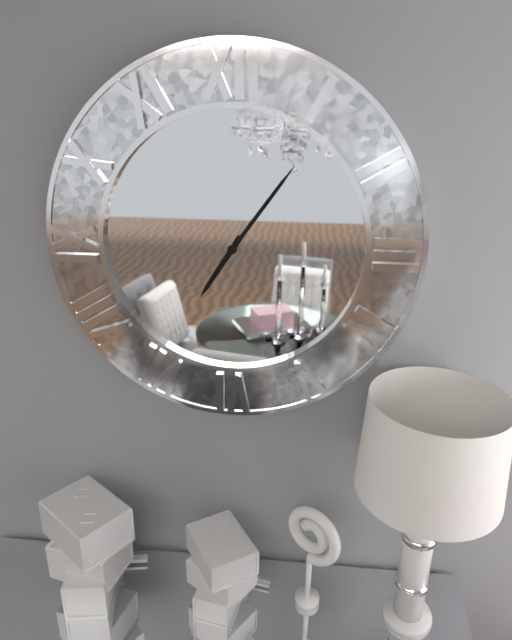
{"hour": 7, "minute": 6}
